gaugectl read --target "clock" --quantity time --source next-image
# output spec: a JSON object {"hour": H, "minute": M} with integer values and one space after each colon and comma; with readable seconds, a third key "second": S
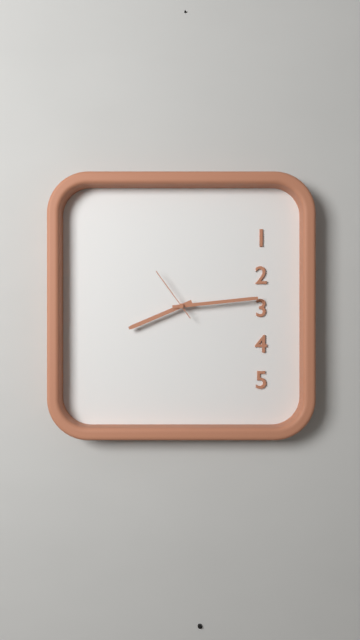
{"hour": 8, "minute": 14, "second": 54}
